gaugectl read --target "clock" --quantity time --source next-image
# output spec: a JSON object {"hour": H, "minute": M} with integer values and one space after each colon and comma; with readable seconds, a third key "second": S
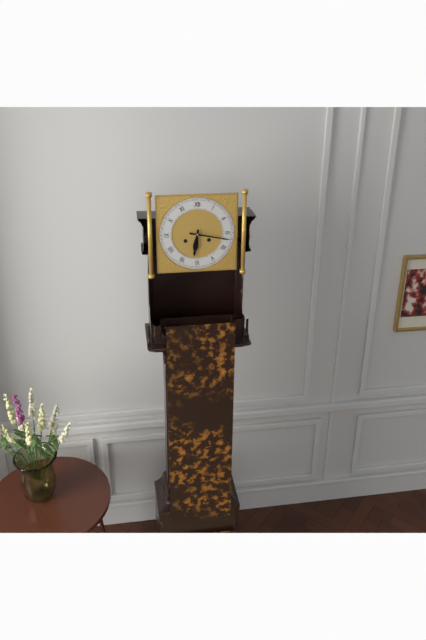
{"hour": 6, "minute": 17}
